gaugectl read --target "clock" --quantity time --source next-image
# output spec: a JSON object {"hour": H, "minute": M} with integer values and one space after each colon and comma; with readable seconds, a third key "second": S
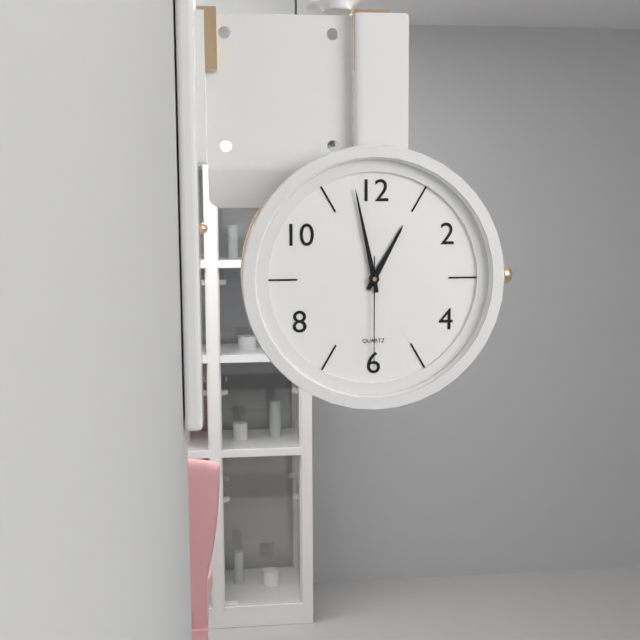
{"hour": 12, "minute": 58, "second": 30}
